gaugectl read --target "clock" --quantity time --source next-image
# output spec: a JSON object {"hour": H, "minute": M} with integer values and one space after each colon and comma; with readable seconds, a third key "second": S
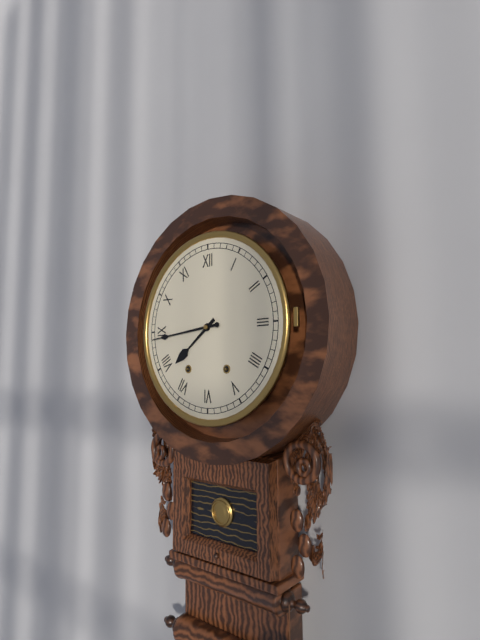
{"hour": 7, "minute": 44}
